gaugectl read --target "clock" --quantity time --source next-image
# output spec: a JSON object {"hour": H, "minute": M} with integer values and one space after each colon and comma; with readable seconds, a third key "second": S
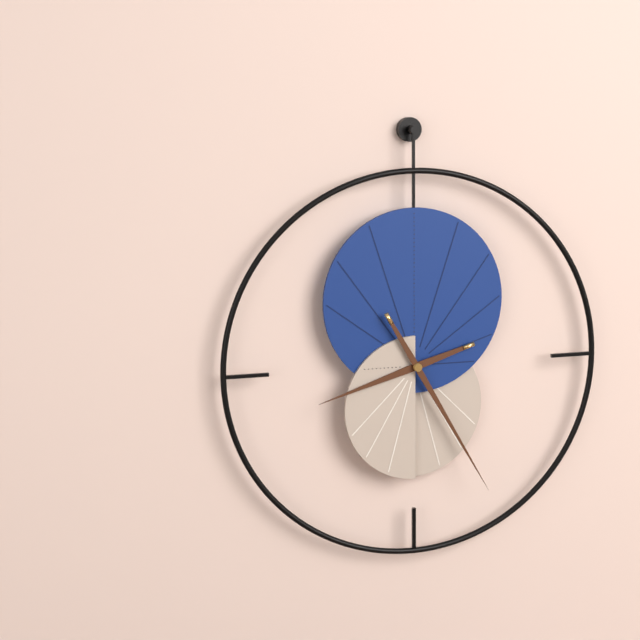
{"hour": 8, "minute": 25}
